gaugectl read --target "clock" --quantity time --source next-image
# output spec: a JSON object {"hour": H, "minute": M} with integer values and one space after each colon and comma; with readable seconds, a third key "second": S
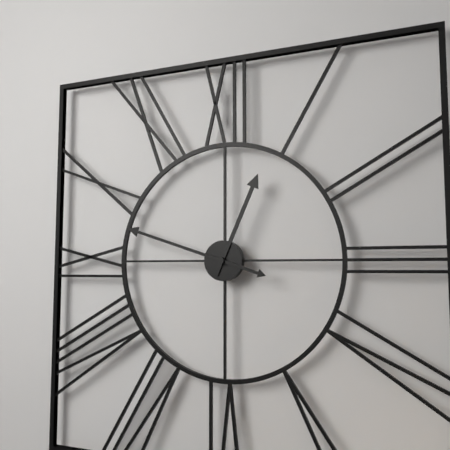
{"hour": 12, "minute": 48}
